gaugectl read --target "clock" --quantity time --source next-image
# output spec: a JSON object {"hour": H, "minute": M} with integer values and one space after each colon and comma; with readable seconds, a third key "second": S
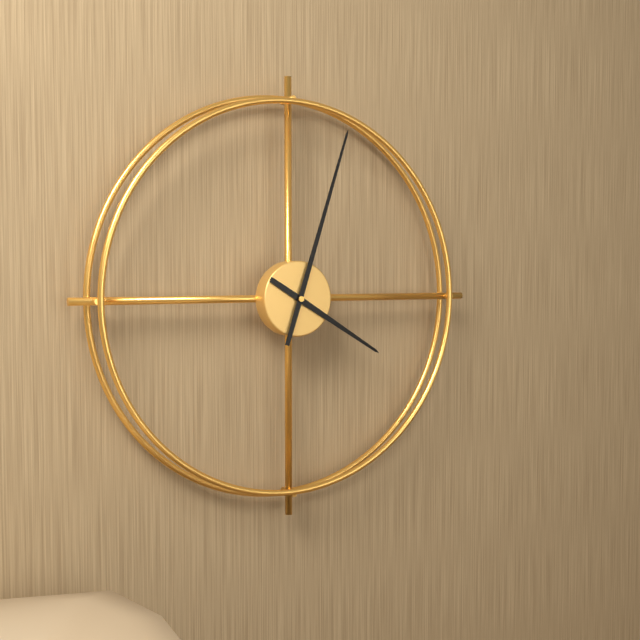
{"hour": 4, "minute": 3}
